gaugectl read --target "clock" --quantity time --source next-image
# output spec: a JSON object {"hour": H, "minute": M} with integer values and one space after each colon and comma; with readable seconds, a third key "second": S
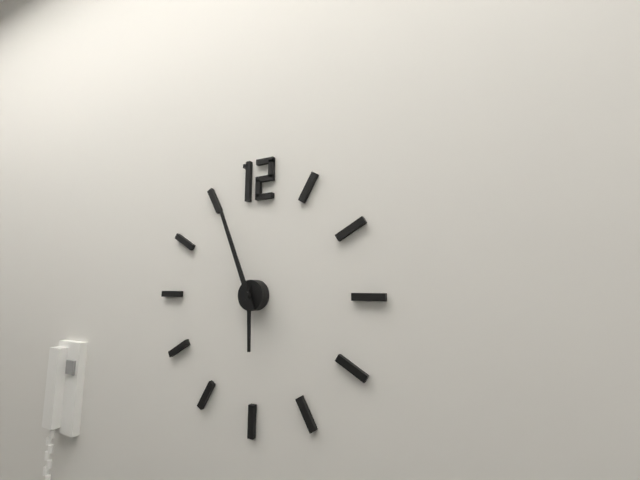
{"hour": 5, "minute": 56}
